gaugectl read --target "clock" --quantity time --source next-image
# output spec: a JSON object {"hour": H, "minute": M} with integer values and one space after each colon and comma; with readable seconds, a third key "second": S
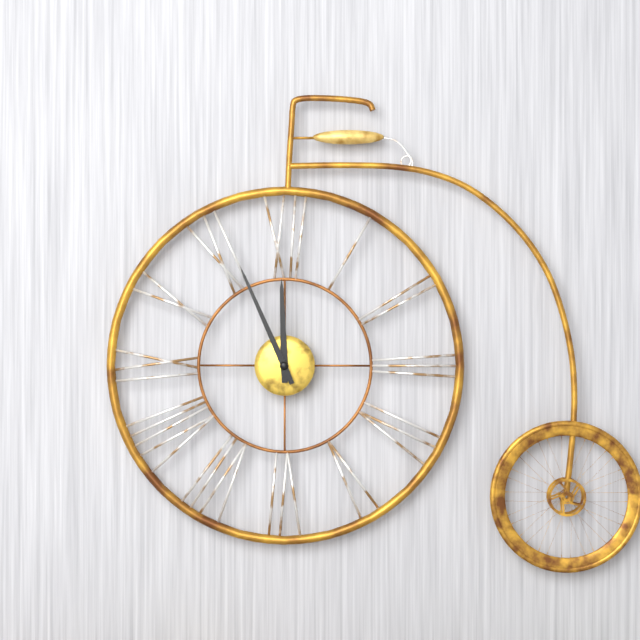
{"hour": 11, "minute": 56}
